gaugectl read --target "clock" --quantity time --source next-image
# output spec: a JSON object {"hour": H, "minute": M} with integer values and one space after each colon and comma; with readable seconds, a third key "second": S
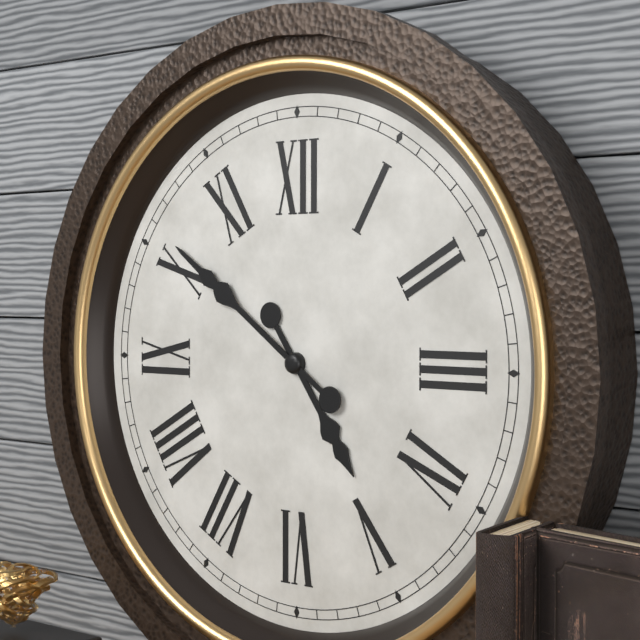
{"hour": 4, "minute": 51}
